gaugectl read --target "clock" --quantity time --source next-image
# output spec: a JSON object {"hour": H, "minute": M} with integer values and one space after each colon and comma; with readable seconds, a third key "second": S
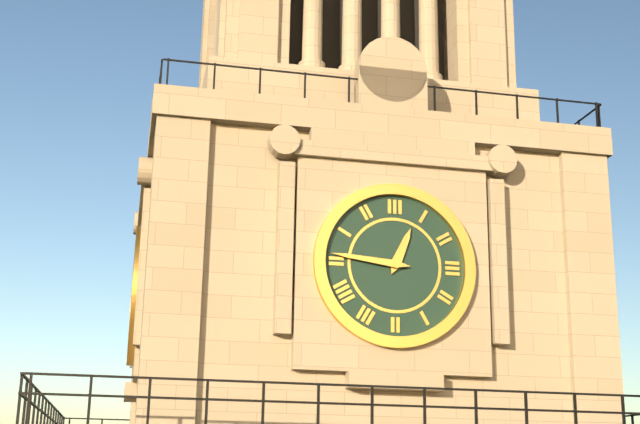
{"hour": 12, "minute": 46}
